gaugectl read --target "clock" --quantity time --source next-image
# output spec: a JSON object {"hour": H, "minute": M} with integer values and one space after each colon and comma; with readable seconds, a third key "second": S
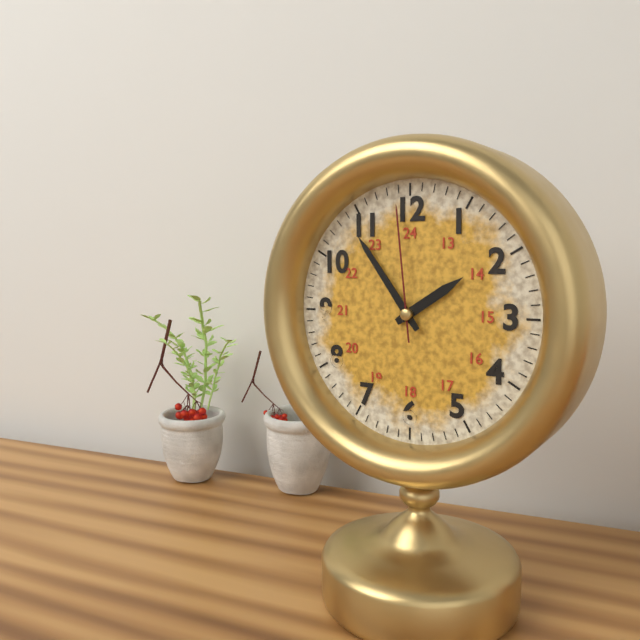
{"hour": 1, "minute": 54, "second": 59}
